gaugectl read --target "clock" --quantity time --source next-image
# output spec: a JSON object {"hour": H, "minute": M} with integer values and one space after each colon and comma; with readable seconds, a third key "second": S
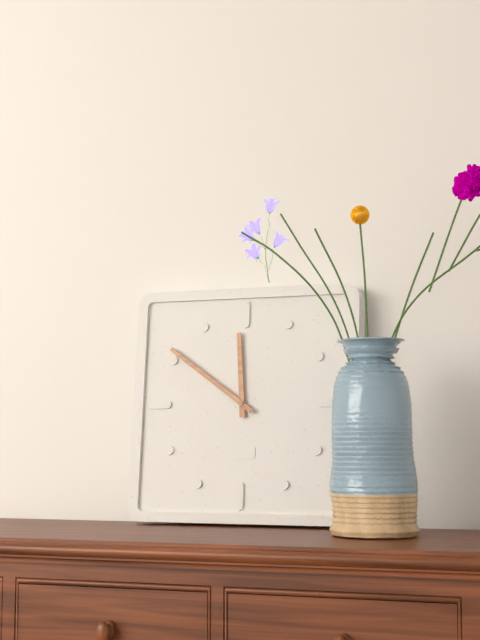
{"hour": 11, "minute": 51}
